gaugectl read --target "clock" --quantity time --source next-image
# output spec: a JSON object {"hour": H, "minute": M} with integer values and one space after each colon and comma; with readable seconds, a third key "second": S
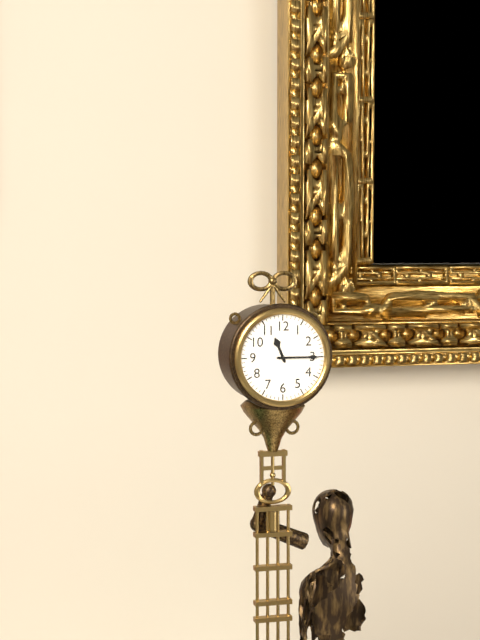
{"hour": 11, "minute": 15}
